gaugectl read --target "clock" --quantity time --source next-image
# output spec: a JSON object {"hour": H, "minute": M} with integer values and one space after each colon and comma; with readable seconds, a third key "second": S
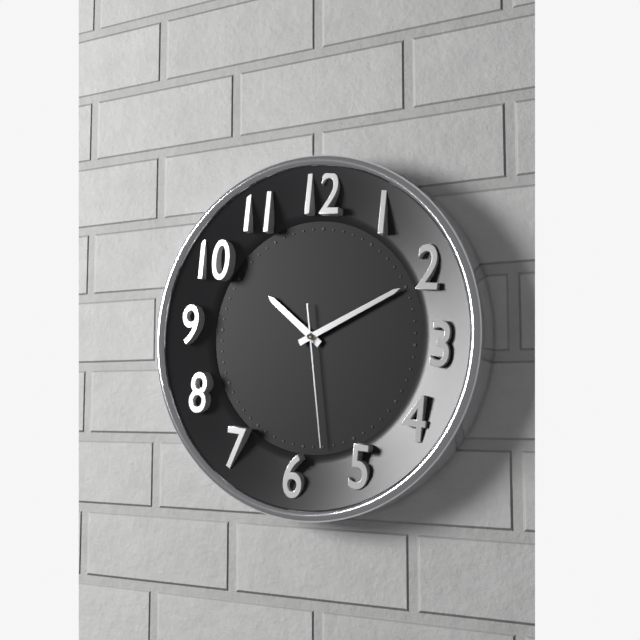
{"hour": 10, "minute": 10, "second": 28}
